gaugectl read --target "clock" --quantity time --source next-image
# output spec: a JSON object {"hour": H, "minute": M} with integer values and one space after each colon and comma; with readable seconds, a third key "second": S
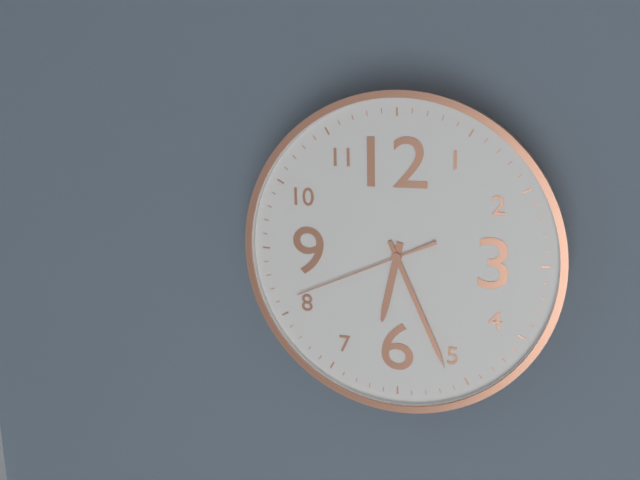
{"hour": 6, "minute": 26, "second": 41}
